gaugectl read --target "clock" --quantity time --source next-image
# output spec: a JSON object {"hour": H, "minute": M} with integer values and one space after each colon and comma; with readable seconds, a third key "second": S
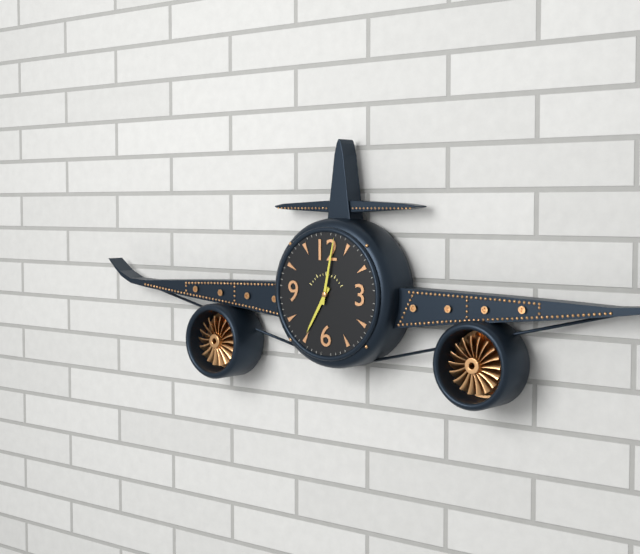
{"hour": 7, "minute": 2}
